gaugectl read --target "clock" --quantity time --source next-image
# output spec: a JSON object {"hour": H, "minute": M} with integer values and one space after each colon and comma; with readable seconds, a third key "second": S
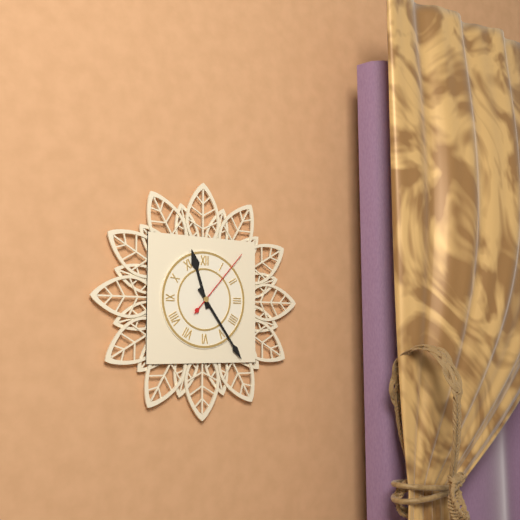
{"hour": 11, "minute": 24, "second": 7}
